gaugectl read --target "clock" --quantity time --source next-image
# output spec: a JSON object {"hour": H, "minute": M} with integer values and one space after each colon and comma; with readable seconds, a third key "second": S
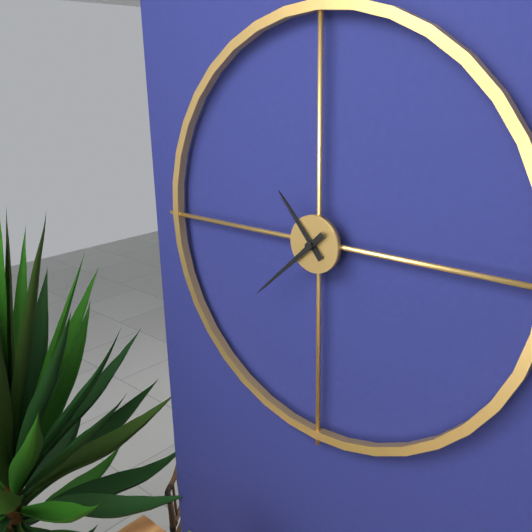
{"hour": 10, "minute": 38}
